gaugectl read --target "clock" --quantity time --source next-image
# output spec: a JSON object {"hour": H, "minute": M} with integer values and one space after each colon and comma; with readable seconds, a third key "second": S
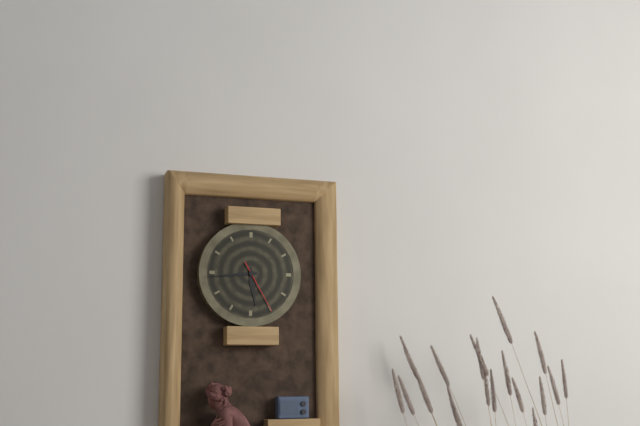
{"hour": 5, "minute": 44, "second": 25}
